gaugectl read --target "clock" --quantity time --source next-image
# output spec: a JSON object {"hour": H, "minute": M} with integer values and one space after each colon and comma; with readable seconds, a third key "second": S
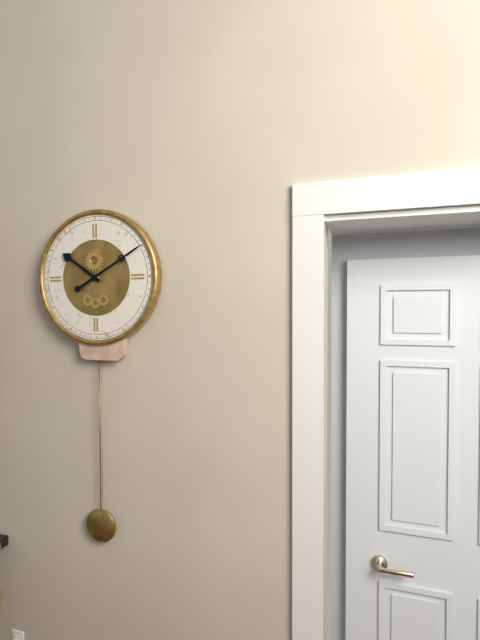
{"hour": 10, "minute": 10}
